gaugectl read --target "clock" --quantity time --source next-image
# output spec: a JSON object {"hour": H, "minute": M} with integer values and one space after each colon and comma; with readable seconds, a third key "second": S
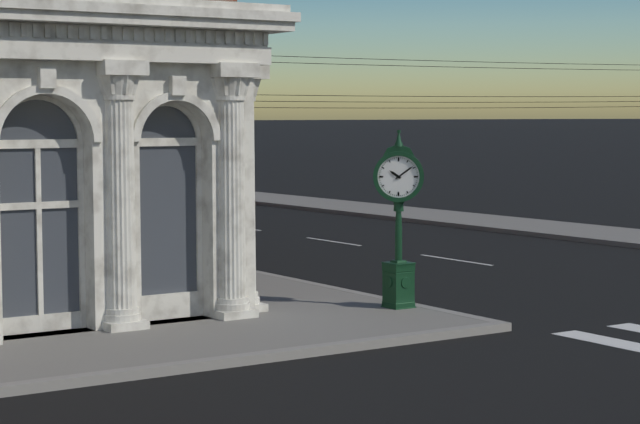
{"hour": 10, "minute": 9}
